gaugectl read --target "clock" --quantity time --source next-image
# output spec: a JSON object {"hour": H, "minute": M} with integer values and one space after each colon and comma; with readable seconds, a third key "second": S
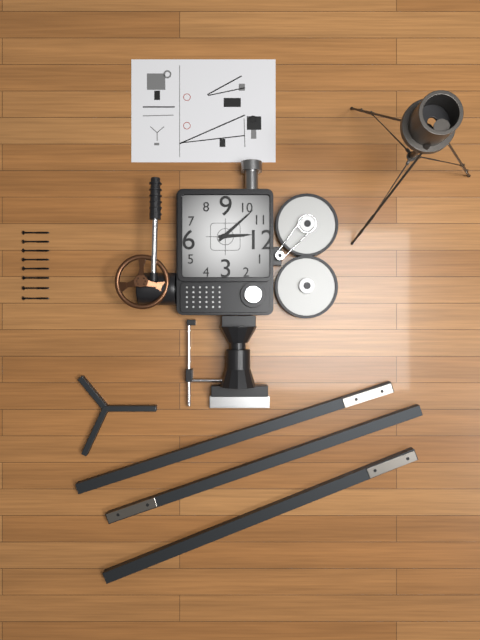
{"hour": 11, "minute": 53}
